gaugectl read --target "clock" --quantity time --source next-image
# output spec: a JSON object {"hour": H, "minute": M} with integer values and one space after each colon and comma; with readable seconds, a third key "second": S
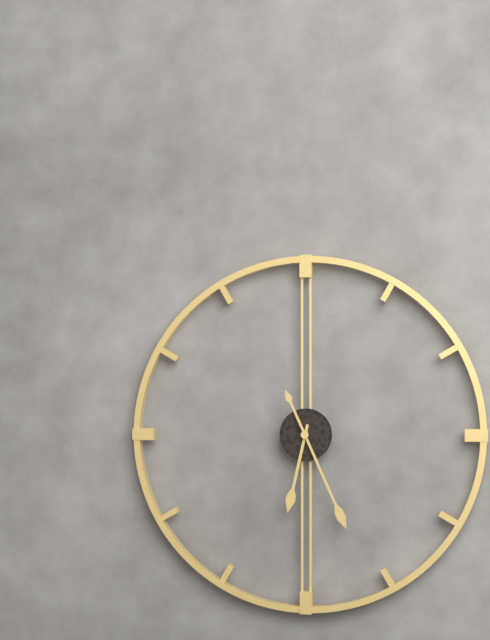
{"hour": 6, "minute": 26}
